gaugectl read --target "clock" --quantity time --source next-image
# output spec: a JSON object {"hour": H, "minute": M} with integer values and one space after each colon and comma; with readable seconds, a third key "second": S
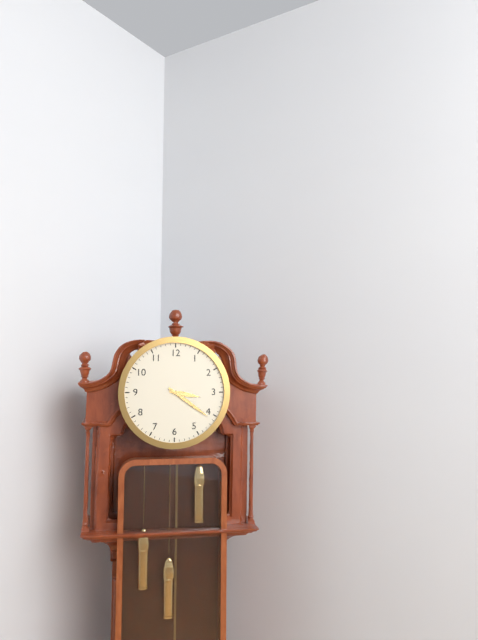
{"hour": 3, "minute": 21}
